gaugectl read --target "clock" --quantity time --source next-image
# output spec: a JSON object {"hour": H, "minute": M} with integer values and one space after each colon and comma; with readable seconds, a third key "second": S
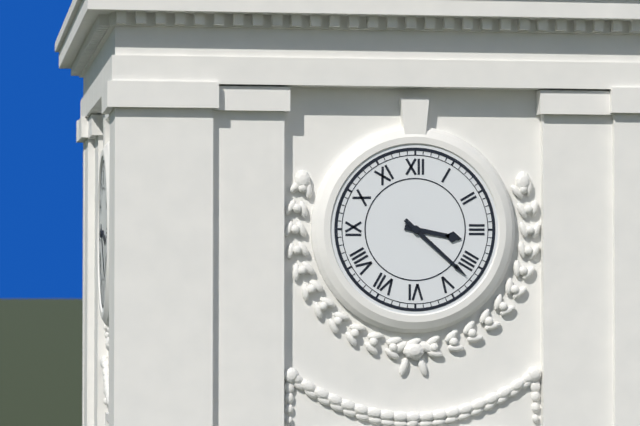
{"hour": 3, "minute": 22}
